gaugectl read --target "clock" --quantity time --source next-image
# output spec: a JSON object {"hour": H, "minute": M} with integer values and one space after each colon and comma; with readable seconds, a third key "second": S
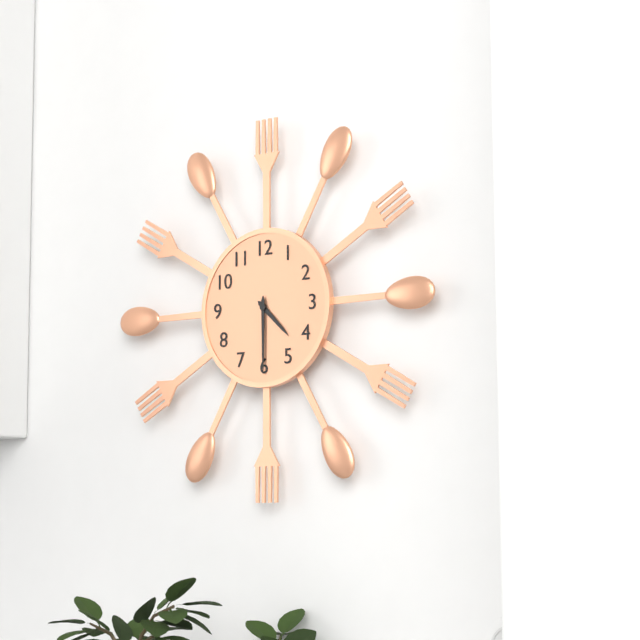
{"hour": 4, "minute": 30}
